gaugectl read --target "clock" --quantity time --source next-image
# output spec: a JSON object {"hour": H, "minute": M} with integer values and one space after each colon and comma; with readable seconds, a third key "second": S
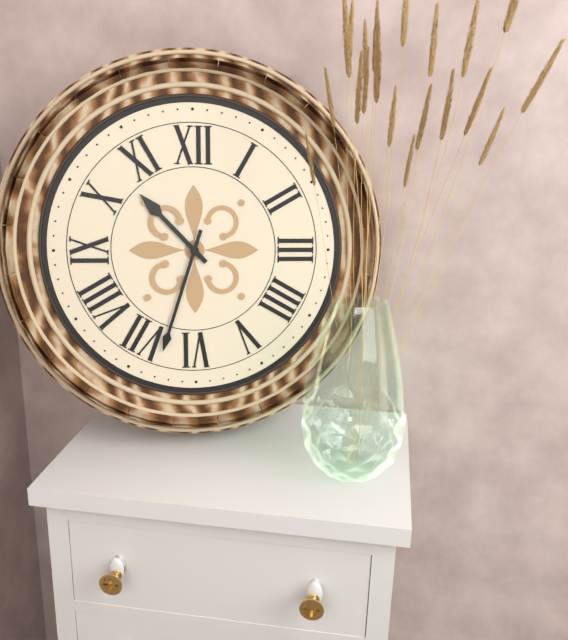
{"hour": 10, "minute": 33}
